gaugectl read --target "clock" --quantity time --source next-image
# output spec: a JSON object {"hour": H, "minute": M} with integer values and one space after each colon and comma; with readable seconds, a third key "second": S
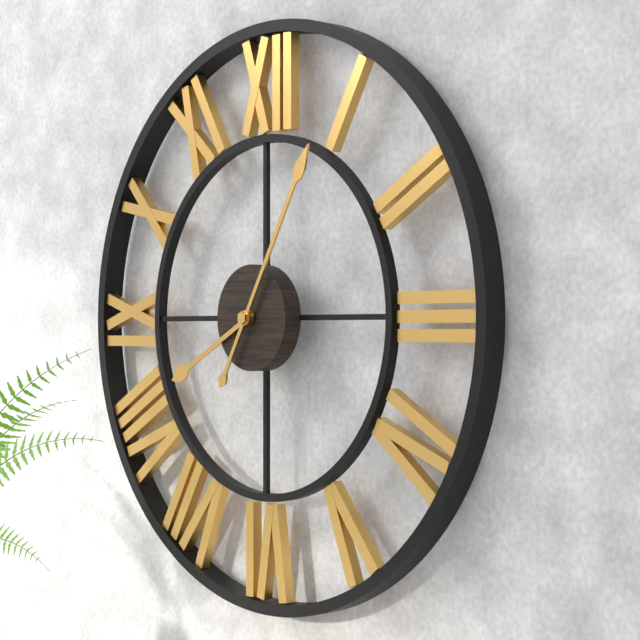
{"hour": 8, "minute": 5}
